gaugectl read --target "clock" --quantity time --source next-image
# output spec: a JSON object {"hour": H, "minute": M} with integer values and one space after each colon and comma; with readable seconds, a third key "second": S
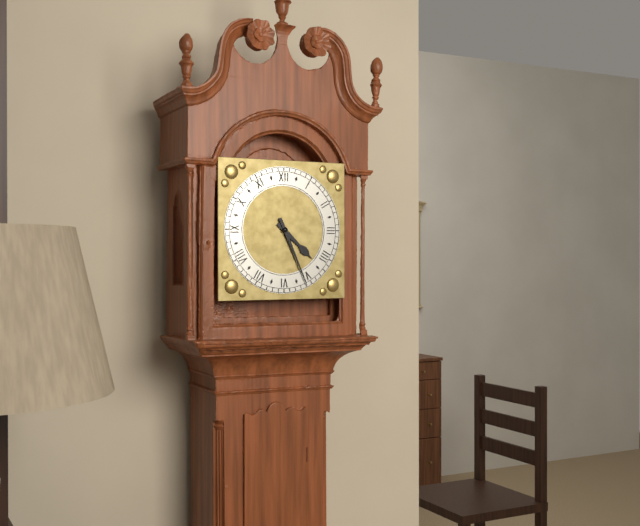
{"hour": 4, "minute": 26}
